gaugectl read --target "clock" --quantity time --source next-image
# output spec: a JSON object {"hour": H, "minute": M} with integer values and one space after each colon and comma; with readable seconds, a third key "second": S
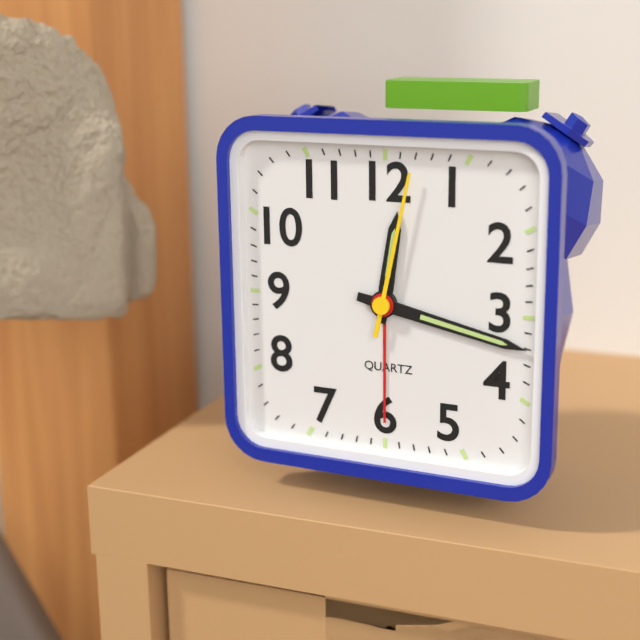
{"hour": 12, "minute": 17, "second": 2}
